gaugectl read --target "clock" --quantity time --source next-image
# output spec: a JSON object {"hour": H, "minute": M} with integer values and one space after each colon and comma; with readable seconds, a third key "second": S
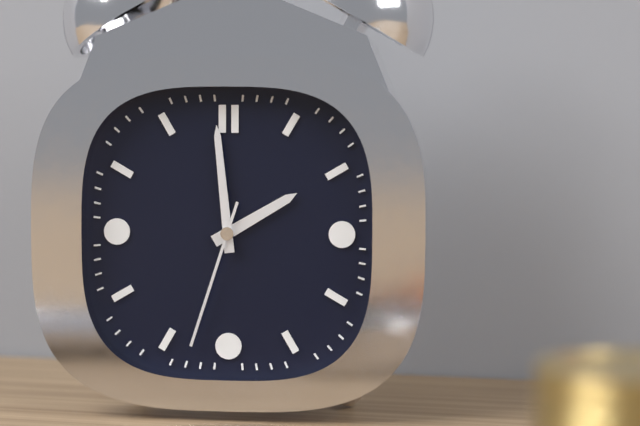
{"hour": 1, "minute": 59, "second": 33}
